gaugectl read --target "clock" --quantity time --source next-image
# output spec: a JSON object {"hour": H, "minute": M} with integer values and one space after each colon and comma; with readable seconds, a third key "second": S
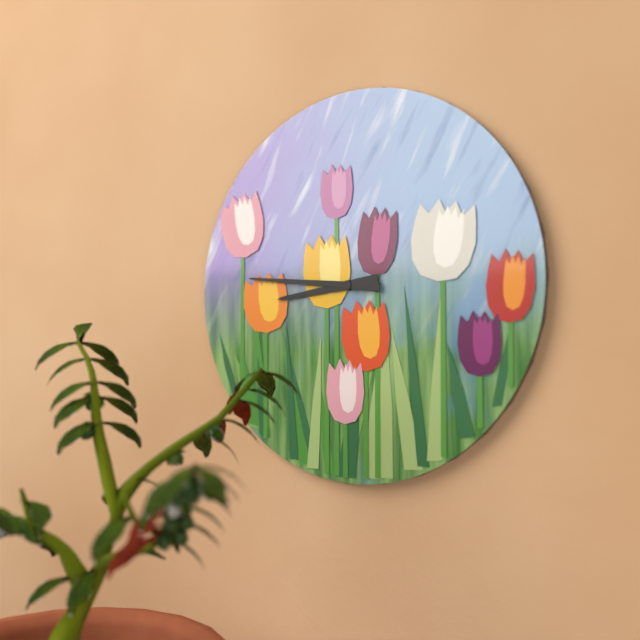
{"hour": 8, "minute": 46}
